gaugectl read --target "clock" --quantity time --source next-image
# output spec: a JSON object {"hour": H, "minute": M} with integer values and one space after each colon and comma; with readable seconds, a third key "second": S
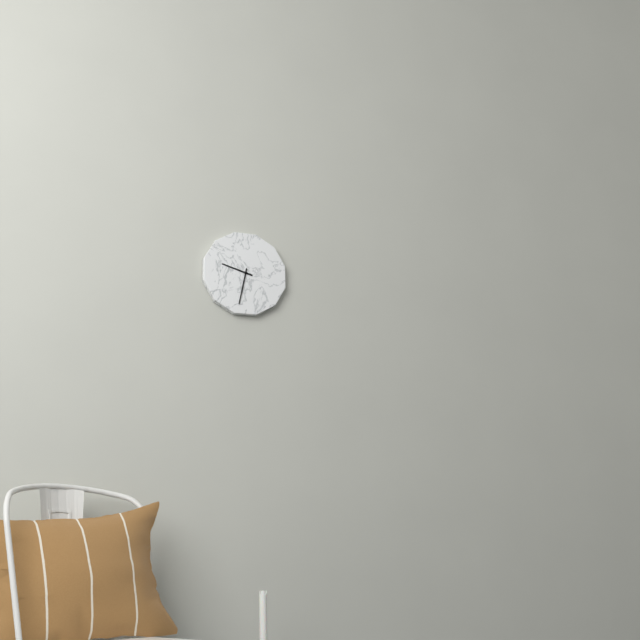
{"hour": 9, "minute": 32}
